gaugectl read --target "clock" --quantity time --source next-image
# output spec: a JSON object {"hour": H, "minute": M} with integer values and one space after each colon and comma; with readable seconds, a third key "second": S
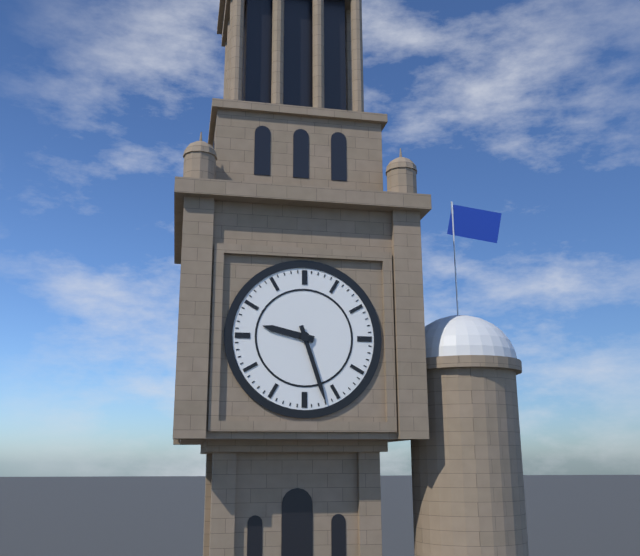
{"hour": 9, "minute": 27}
